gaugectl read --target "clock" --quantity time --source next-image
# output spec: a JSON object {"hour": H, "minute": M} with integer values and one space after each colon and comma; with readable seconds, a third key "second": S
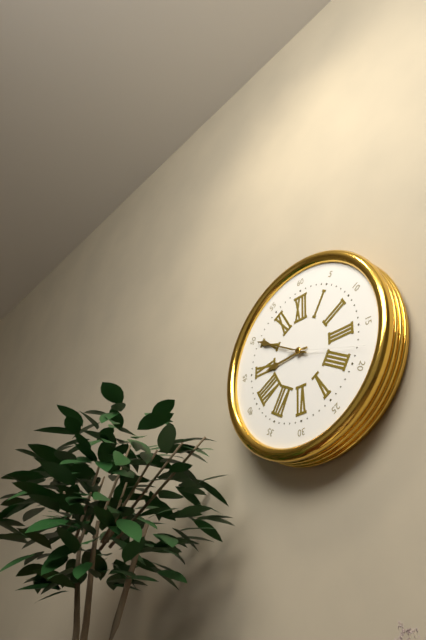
{"hour": 8, "minute": 50, "second": 18}
